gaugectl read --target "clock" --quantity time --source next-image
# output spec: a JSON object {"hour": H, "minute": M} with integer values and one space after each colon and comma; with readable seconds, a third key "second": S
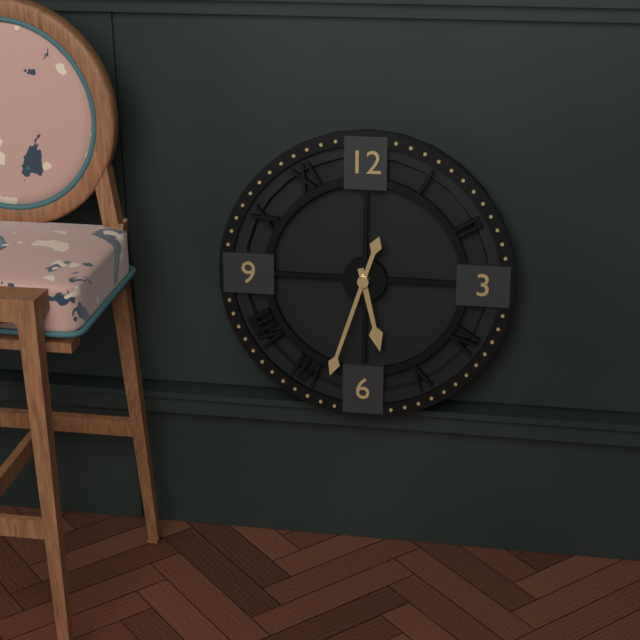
{"hour": 5, "minute": 33}
